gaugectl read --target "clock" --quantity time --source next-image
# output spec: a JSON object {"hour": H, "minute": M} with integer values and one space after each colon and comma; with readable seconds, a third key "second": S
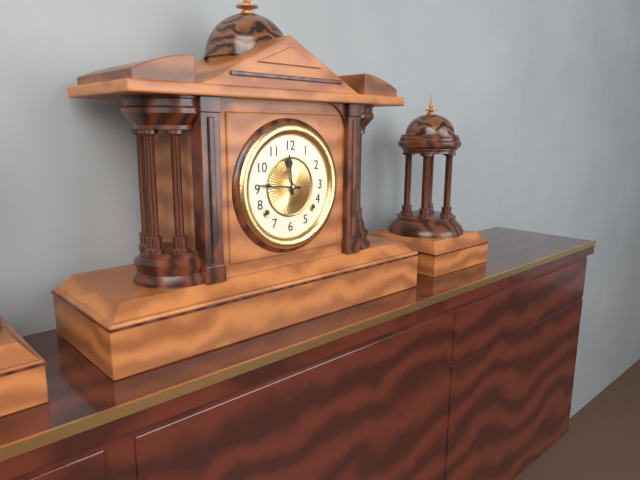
{"hour": 11, "minute": 46}
